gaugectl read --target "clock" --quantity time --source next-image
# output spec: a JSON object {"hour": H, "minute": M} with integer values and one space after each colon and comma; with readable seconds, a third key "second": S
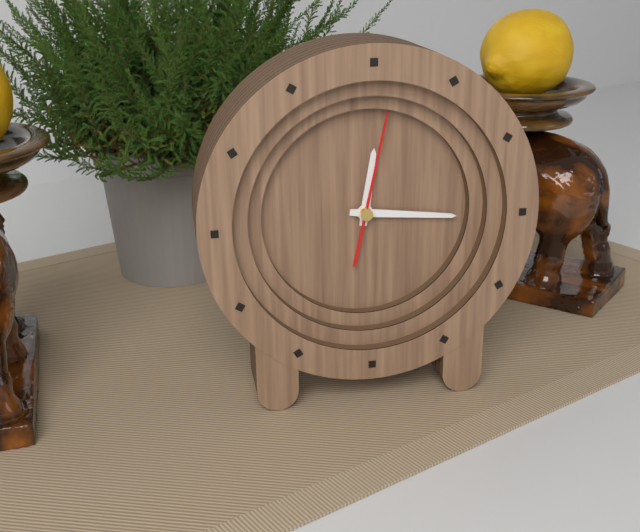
{"hour": 12, "minute": 16, "second": 2}
